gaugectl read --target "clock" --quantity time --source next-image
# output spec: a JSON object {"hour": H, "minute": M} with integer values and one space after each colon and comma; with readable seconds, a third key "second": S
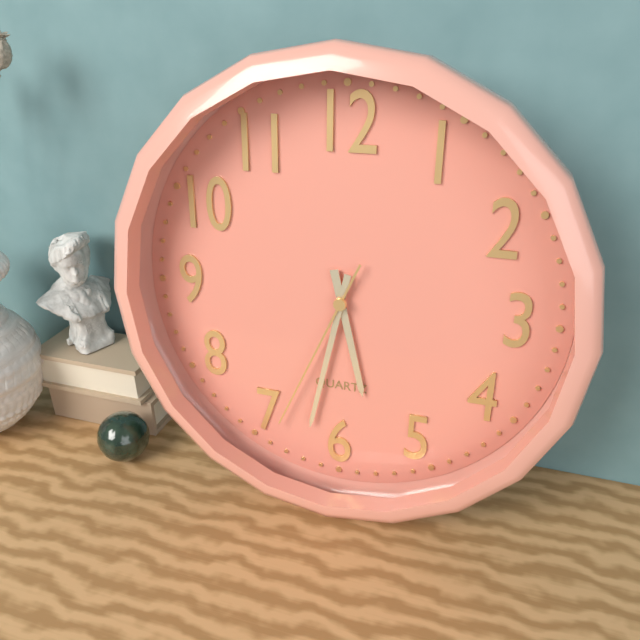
{"hour": 5, "minute": 32, "second": 34}
